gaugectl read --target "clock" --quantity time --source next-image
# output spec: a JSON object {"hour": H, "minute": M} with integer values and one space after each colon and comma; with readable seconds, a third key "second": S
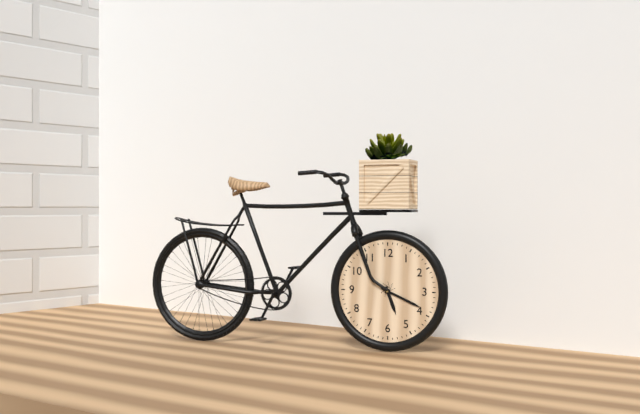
{"hour": 5, "minute": 19}
